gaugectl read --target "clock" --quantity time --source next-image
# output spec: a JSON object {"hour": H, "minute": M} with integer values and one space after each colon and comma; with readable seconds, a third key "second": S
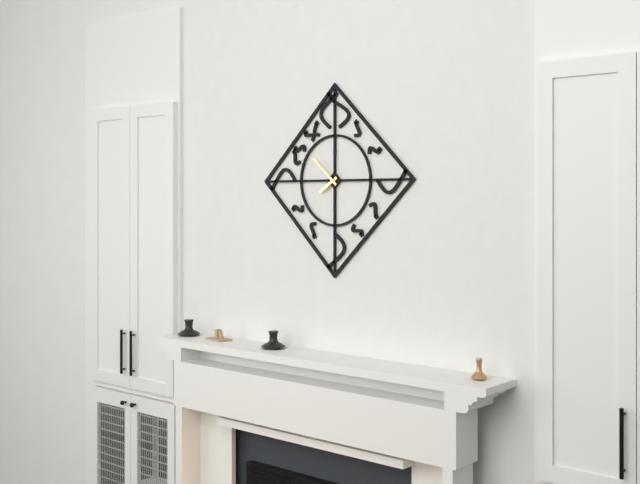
{"hour": 7, "minute": 52}
